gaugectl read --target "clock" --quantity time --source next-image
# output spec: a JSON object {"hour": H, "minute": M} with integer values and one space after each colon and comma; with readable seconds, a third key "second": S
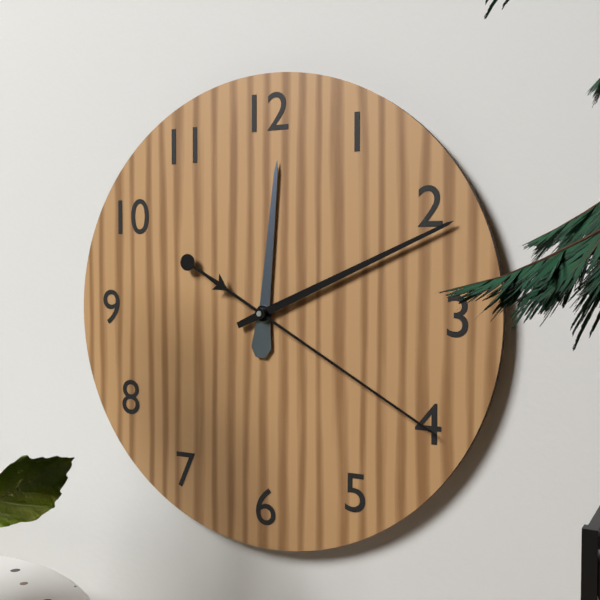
{"hour": 12, "minute": 11, "second": 20}
